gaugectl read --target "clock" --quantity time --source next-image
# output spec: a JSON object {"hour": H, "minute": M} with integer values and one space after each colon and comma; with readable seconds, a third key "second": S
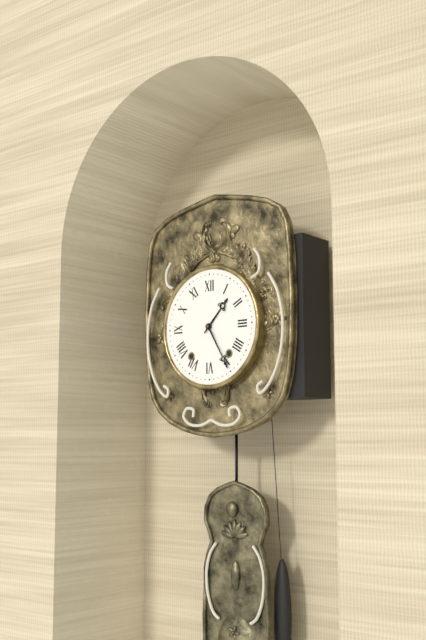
{"hour": 1, "minute": 25}
